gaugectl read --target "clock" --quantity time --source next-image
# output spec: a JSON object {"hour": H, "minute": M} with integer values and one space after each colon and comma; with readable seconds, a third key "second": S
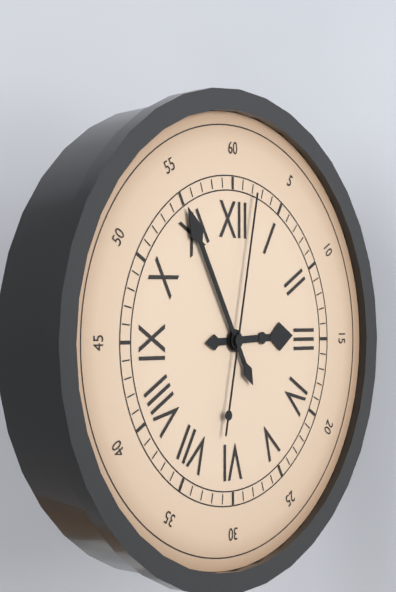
{"hour": 2, "minute": 55, "second": 2}
